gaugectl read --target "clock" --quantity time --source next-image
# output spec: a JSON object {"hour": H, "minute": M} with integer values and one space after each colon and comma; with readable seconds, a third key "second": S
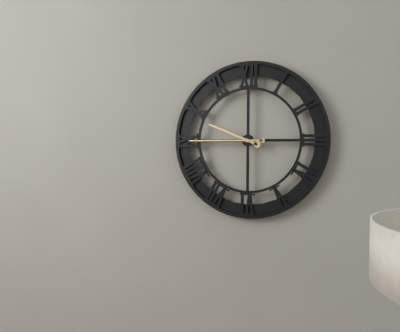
{"hour": 9, "minute": 45}
